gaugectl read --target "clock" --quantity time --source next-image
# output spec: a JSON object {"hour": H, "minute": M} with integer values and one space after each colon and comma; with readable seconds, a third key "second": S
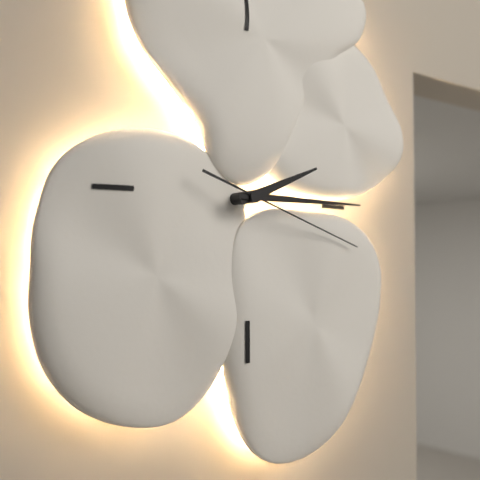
{"hour": 2, "minute": 15, "second": 18}
